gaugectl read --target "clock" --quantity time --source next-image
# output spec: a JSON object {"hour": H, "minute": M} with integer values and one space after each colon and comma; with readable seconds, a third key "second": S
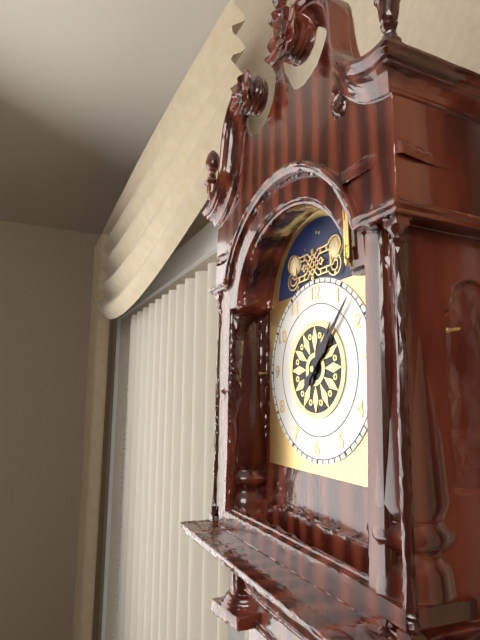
{"hour": 1, "minute": 7}
